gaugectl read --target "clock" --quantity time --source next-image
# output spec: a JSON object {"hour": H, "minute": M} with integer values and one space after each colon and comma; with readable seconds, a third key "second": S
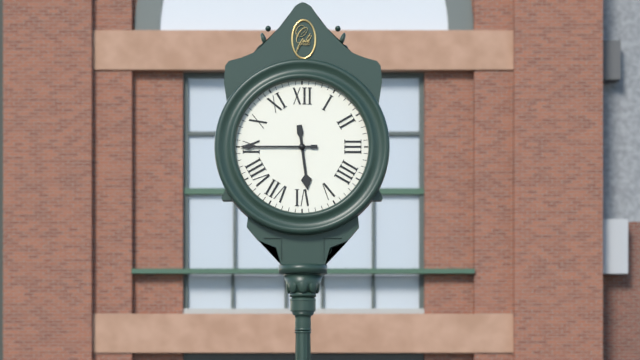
{"hour": 5, "minute": 45}
